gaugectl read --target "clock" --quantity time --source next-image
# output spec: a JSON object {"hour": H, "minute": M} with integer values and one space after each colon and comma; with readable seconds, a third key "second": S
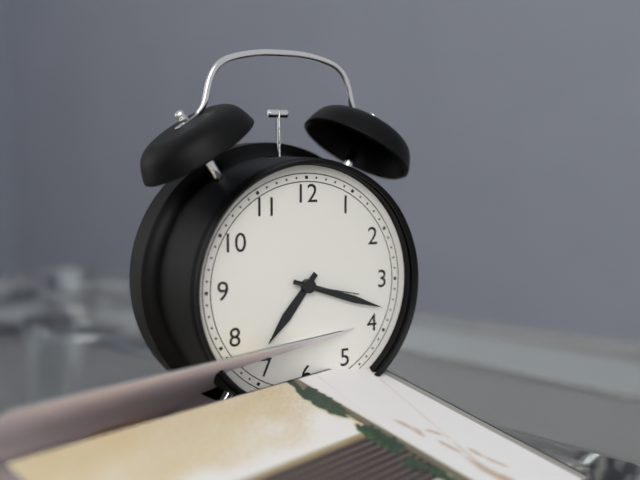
{"hour": 7, "minute": 18, "second": 17}
